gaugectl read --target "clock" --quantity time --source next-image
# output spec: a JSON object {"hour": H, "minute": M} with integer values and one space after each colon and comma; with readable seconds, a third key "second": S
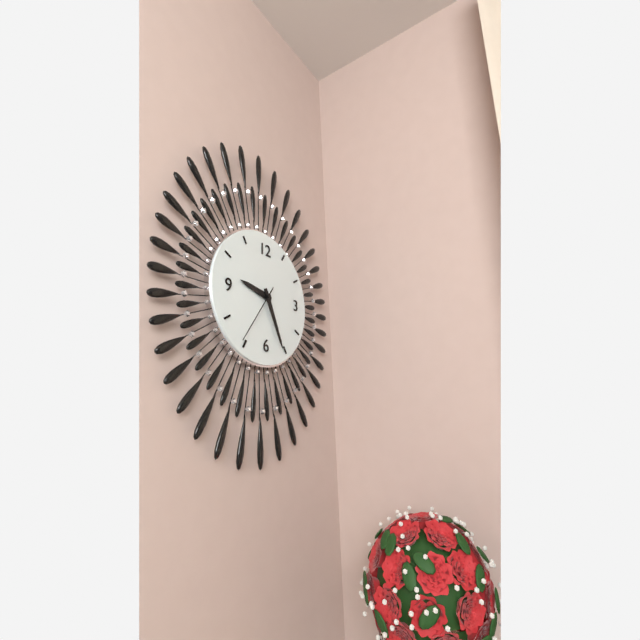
{"hour": 9, "minute": 26, "second": 36}
